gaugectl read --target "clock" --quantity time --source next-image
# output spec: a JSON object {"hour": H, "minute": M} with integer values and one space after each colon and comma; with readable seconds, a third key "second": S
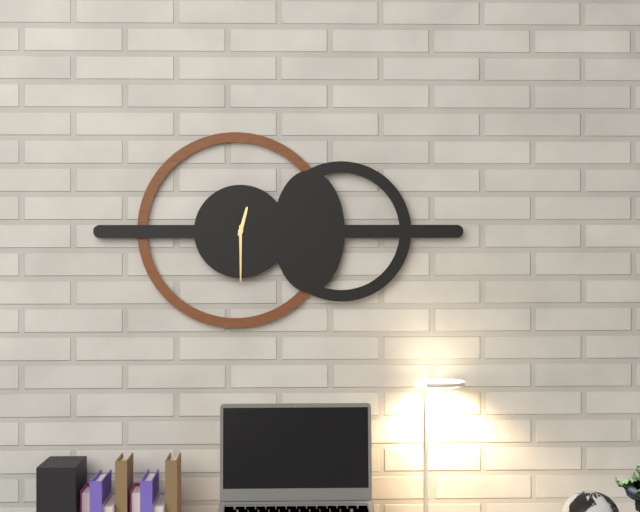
{"hour": 12, "minute": 30}
